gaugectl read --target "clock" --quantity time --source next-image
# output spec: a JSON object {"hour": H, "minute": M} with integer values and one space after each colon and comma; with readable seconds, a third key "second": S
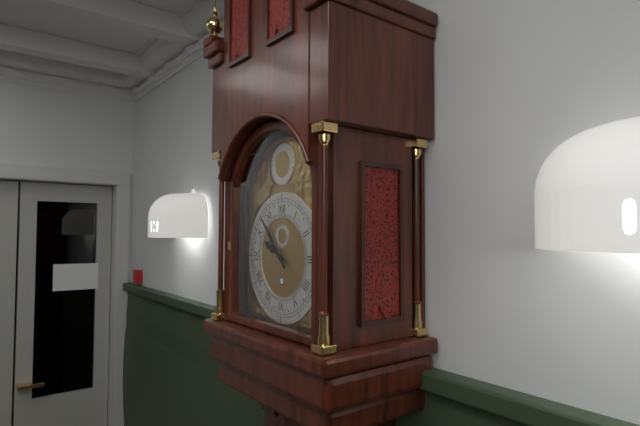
{"hour": 9, "minute": 53}
